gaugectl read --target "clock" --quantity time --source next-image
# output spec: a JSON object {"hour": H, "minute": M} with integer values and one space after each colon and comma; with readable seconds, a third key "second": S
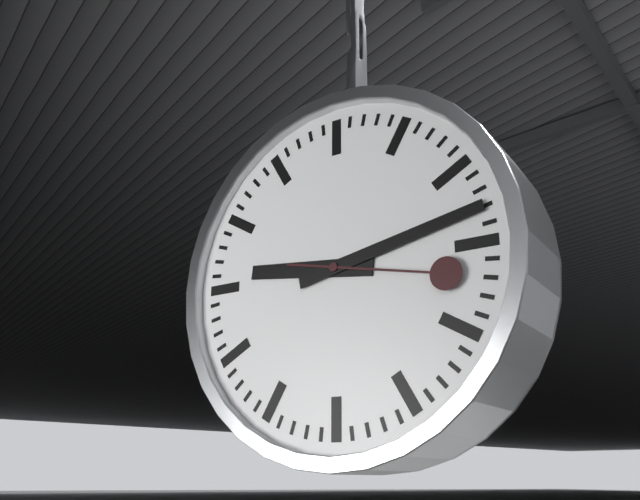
{"hour": 9, "minute": 13, "second": 17}
